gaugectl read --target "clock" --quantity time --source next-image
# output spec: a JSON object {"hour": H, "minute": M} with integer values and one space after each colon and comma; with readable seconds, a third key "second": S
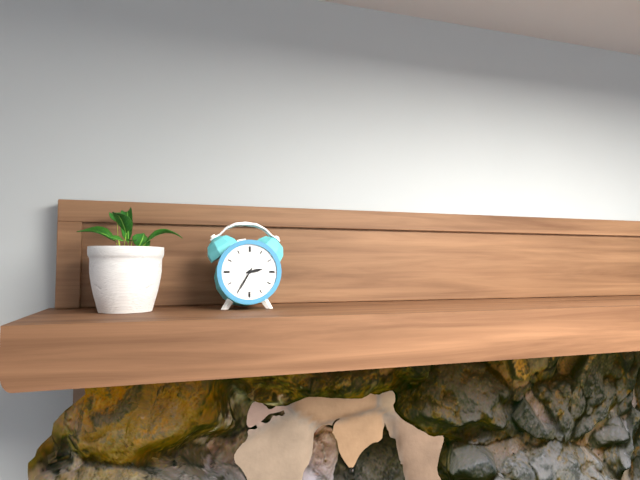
{"hour": 2, "minute": 35}
